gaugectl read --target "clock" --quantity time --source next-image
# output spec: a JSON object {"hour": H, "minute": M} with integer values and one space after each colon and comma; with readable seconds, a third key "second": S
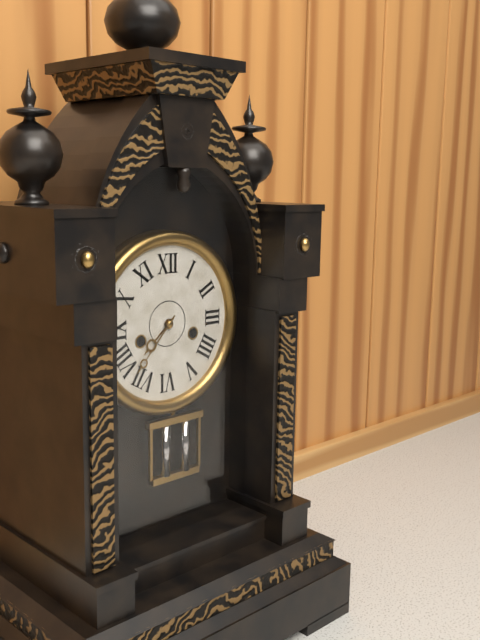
{"hour": 7, "minute": 37}
